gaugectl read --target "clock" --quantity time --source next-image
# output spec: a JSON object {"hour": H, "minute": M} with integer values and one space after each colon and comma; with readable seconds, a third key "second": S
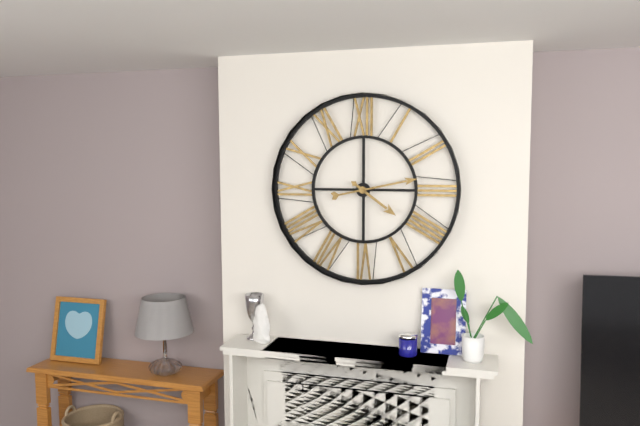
{"hour": 4, "minute": 13}
